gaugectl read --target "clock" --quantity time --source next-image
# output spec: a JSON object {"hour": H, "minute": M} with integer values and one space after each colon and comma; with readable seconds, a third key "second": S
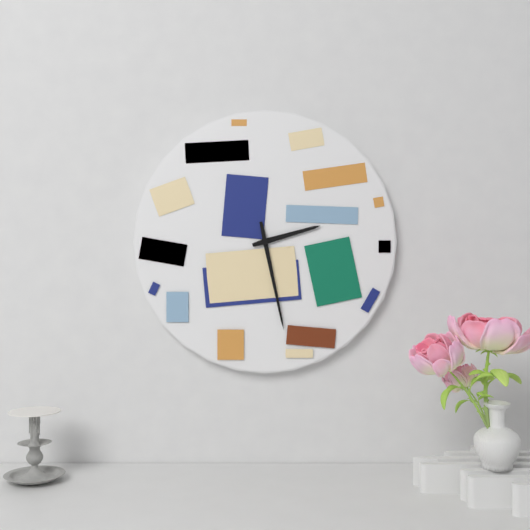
{"hour": 2, "minute": 28}
